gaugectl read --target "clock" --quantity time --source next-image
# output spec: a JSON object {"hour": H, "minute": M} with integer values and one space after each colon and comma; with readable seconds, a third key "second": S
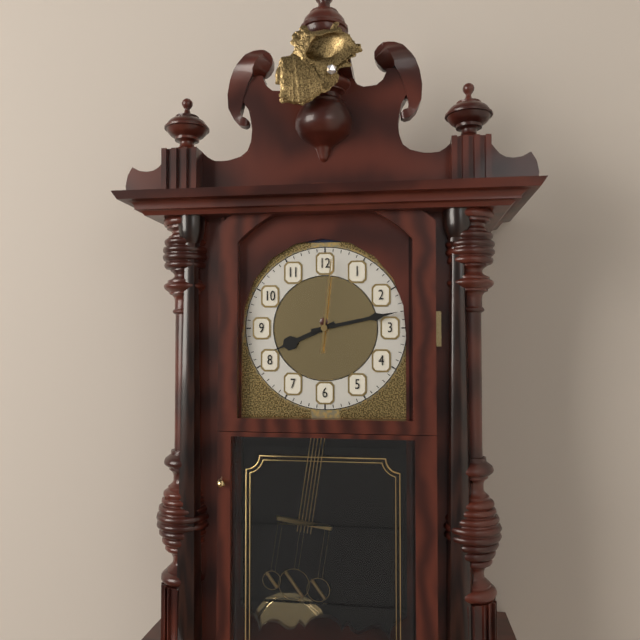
{"hour": 8, "minute": 13, "second": 1}
